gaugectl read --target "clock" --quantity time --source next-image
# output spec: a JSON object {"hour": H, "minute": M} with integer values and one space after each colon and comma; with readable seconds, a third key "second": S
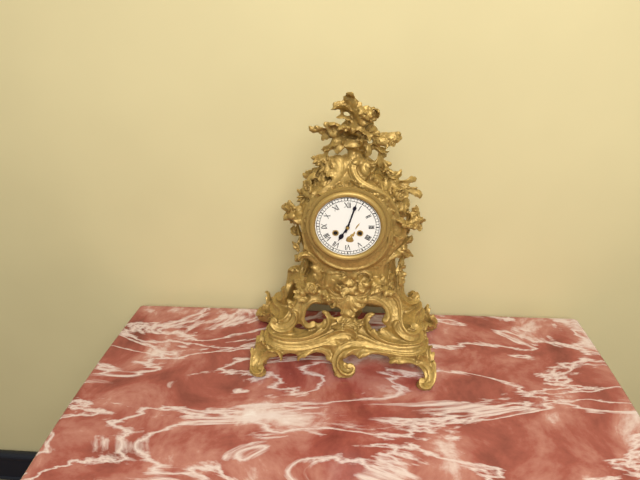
{"hour": 7, "minute": 3}
